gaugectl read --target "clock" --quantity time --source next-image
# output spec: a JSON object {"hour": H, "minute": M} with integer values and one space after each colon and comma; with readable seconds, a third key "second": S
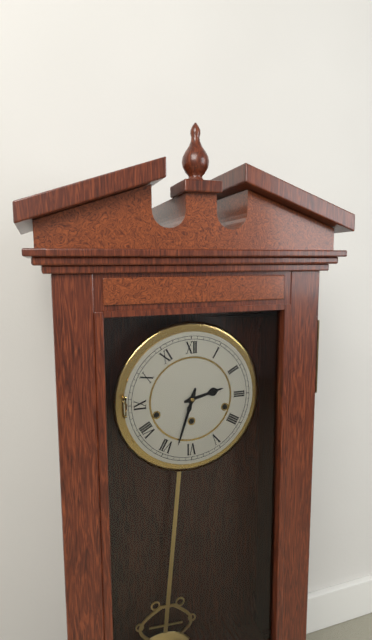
{"hour": 2, "minute": 33}
